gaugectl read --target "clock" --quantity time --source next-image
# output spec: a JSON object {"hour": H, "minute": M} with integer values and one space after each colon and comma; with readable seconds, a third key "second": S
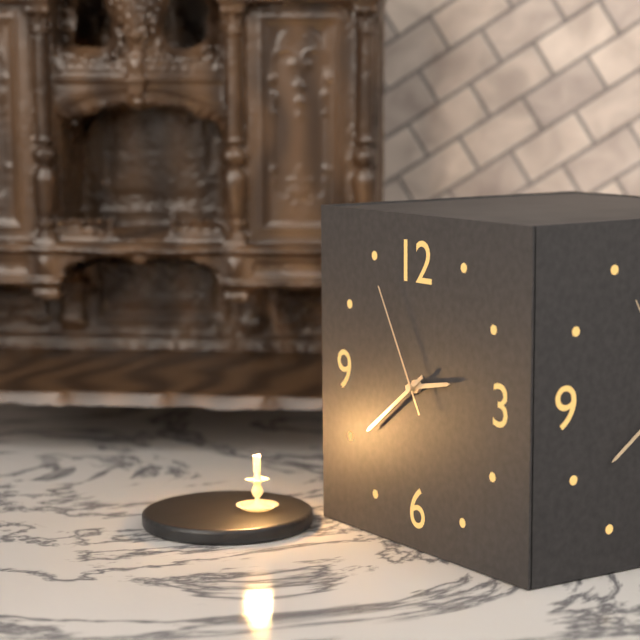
{"hour": 2, "minute": 39, "second": 55}
